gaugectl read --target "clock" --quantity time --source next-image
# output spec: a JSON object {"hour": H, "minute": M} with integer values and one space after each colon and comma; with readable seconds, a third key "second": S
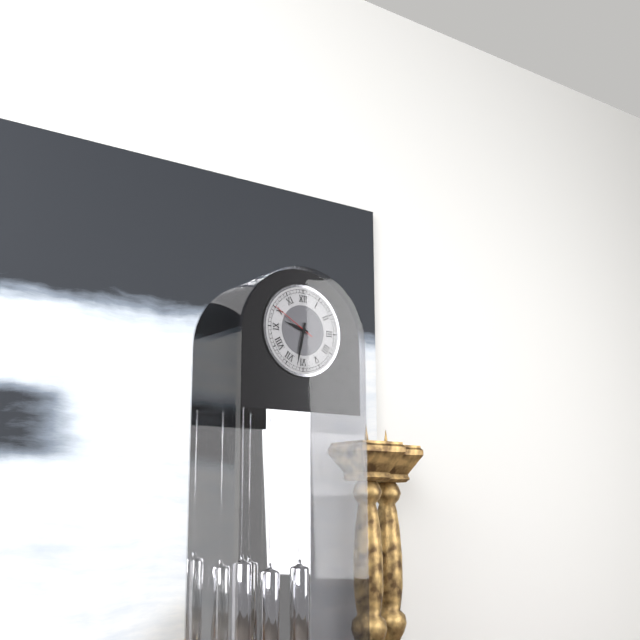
{"hour": 9, "minute": 32}
